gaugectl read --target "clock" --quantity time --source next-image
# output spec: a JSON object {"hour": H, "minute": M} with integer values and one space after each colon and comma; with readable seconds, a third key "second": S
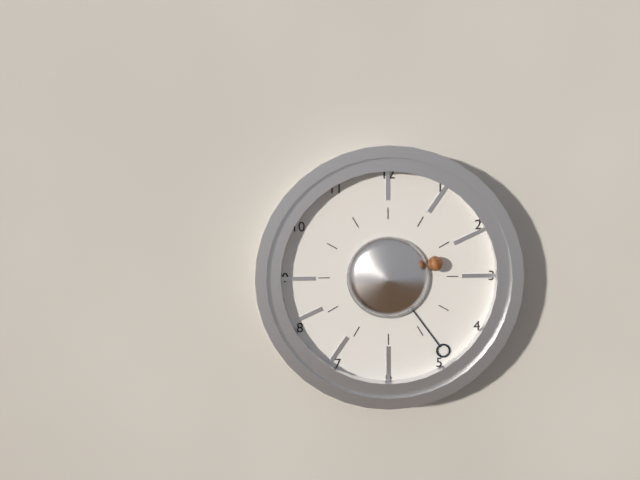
{"hour": 2, "minute": 24}
